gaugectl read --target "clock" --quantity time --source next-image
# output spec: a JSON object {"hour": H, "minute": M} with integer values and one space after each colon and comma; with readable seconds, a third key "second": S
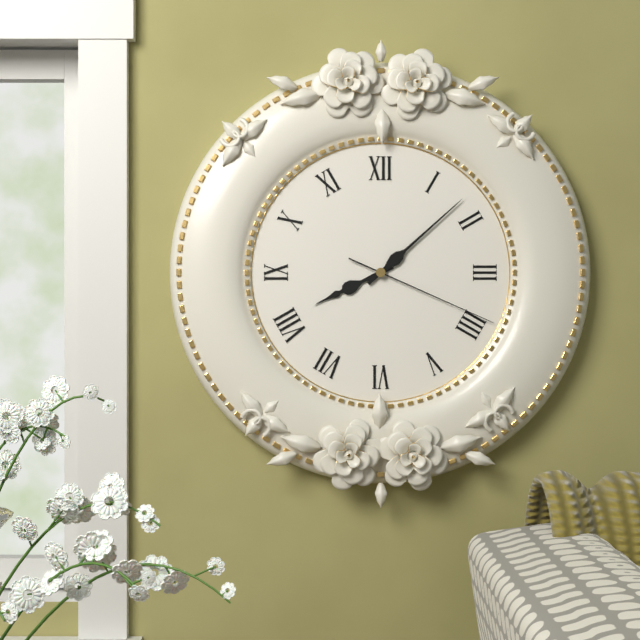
{"hour": 8, "minute": 8, "second": 19}
